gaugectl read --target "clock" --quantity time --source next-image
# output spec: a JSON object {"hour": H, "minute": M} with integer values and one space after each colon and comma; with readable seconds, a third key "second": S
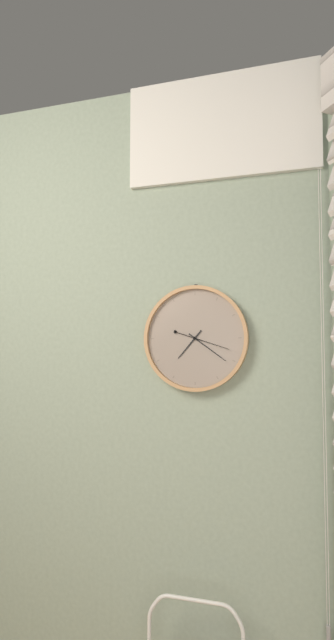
{"hour": 7, "minute": 21}
